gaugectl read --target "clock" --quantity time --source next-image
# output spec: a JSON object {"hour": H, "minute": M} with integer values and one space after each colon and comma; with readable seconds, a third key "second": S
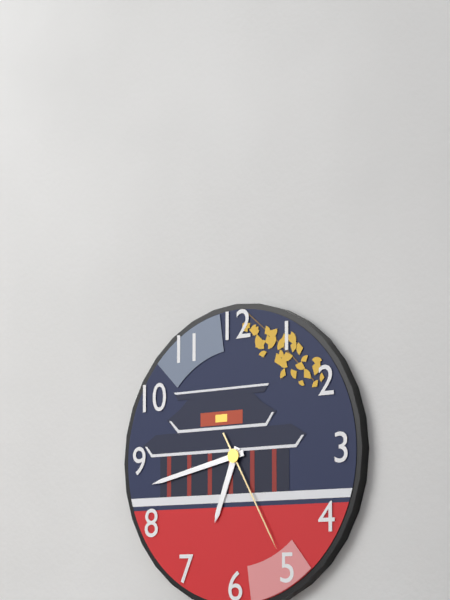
{"hour": 6, "minute": 43, "second": 25}
